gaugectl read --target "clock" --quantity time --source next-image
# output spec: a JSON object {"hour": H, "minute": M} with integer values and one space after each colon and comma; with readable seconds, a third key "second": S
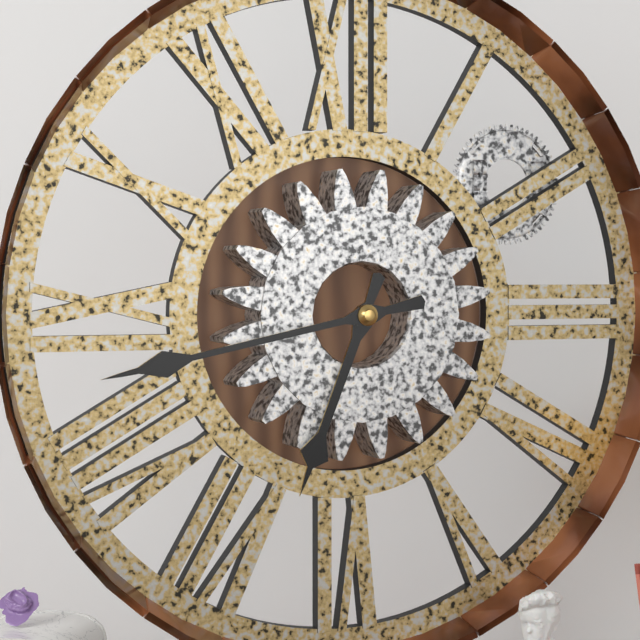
{"hour": 6, "minute": 43}
